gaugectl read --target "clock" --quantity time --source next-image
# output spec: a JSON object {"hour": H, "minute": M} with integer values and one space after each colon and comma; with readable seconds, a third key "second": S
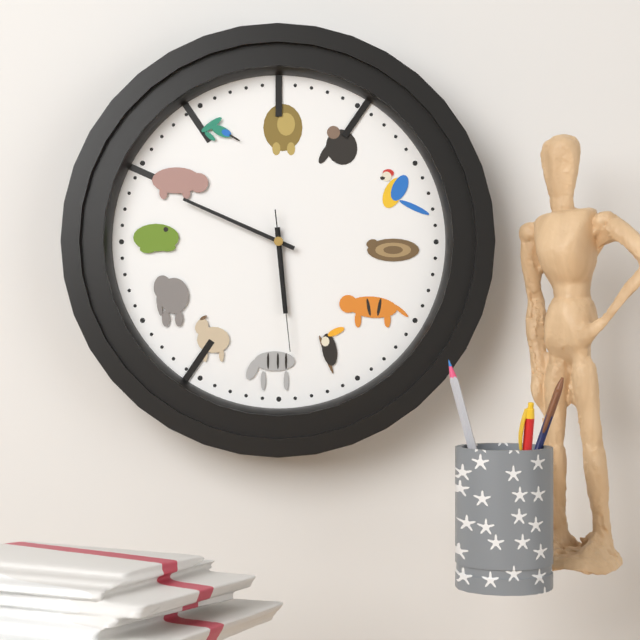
{"hour": 5, "minute": 49, "second": 29}
